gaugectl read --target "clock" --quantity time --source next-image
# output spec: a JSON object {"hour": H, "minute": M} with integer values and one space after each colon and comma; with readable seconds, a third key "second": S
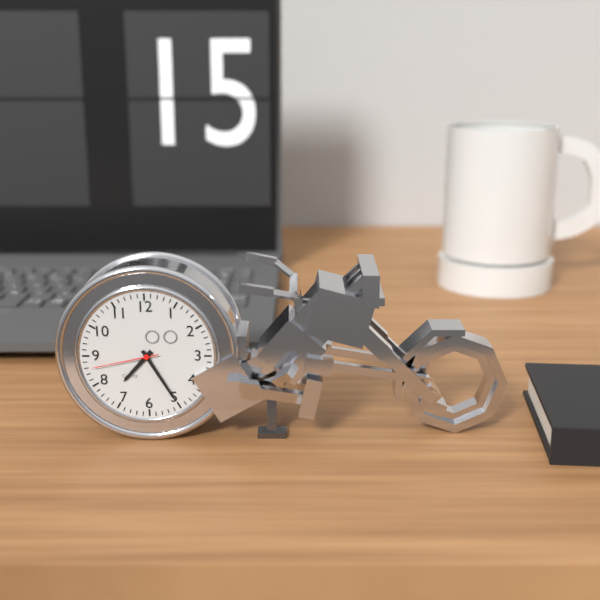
{"hour": 7, "minute": 25, "second": 43}
